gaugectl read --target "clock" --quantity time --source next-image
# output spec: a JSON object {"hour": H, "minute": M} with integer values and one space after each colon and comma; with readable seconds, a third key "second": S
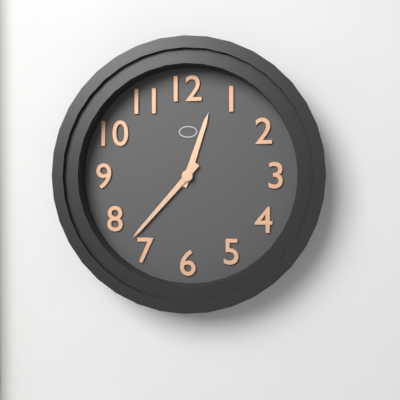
{"hour": 12, "minute": 37}
